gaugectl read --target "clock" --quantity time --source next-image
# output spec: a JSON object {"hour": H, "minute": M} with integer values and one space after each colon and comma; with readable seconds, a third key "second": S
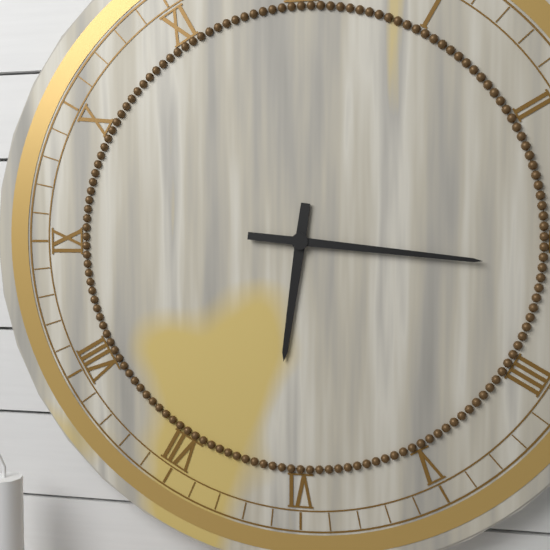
{"hour": 6, "minute": 16}
